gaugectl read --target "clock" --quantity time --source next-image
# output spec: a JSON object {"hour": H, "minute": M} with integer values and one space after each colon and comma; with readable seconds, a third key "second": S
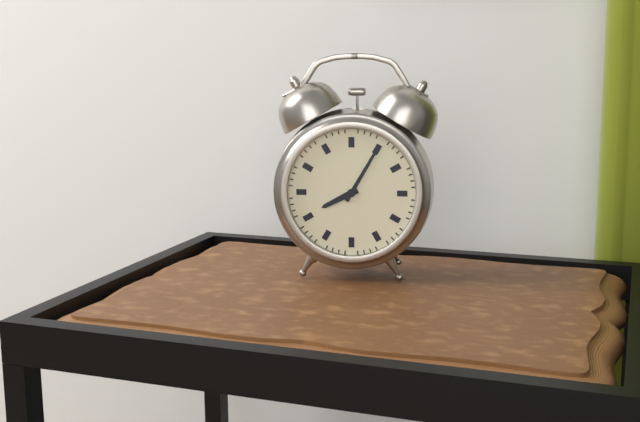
{"hour": 8, "minute": 5}
